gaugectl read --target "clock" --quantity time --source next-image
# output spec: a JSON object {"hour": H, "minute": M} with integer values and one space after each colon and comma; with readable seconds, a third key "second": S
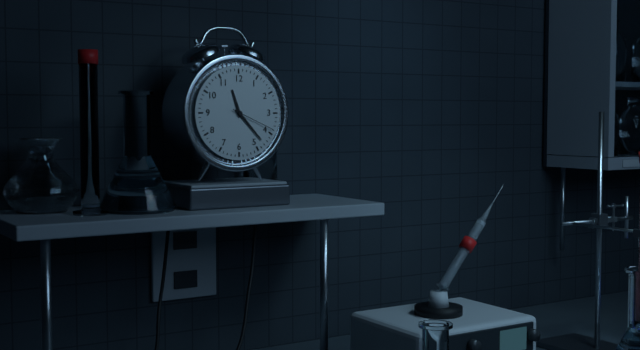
{"hour": 11, "minute": 23}
